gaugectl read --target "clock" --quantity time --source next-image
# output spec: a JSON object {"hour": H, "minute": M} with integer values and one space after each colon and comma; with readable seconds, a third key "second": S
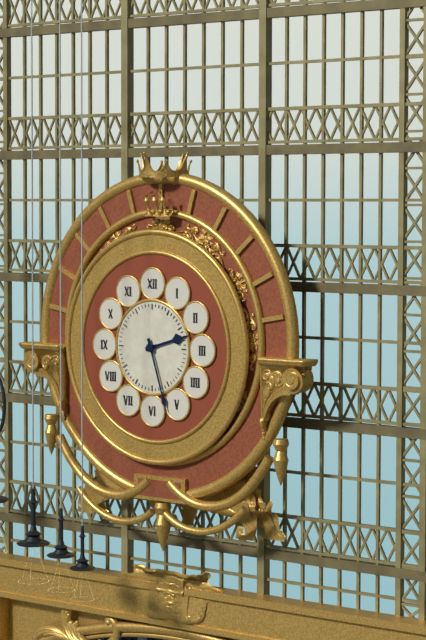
{"hour": 2, "minute": 27}
